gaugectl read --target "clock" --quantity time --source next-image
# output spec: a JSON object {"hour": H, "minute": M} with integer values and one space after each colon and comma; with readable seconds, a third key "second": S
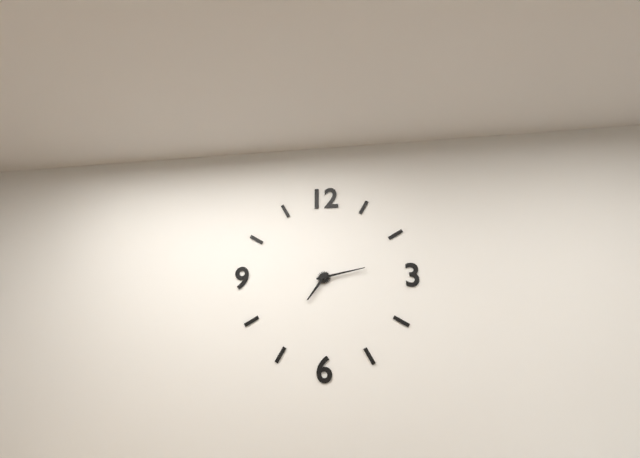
{"hour": 7, "minute": 13}
